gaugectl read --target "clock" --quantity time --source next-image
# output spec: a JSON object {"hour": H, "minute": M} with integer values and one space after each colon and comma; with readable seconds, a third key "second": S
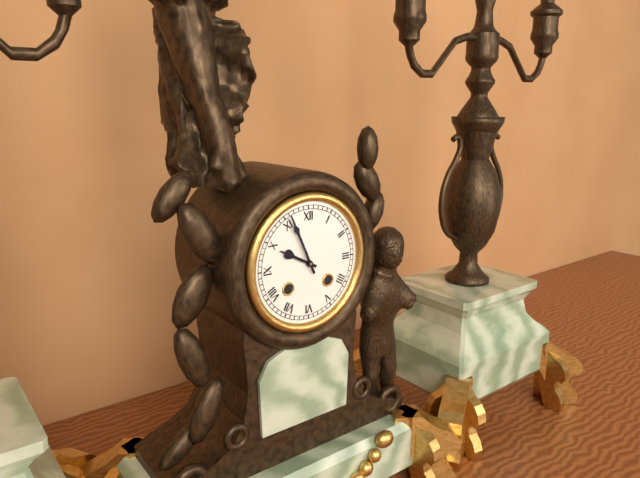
{"hour": 9, "minute": 56}
